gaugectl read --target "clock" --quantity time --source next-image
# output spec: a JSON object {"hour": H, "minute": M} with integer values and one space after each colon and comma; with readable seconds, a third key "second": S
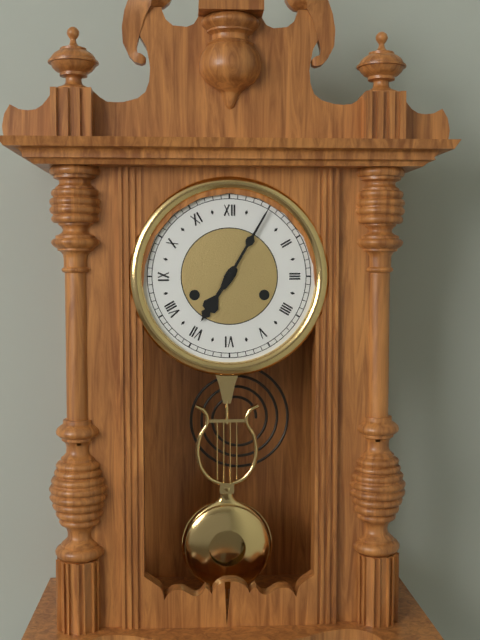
{"hour": 7, "minute": 5}
